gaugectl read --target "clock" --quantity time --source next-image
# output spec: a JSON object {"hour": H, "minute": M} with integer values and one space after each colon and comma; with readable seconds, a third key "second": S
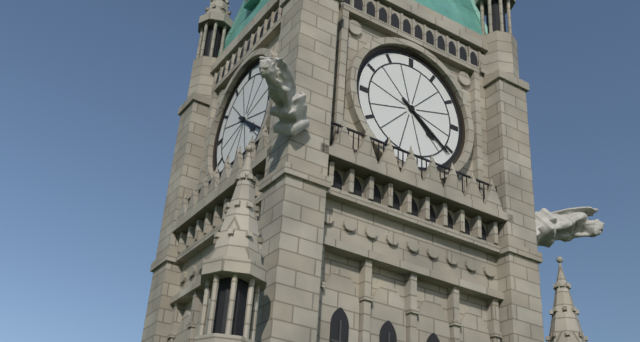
{"hour": 4, "minute": 21}
